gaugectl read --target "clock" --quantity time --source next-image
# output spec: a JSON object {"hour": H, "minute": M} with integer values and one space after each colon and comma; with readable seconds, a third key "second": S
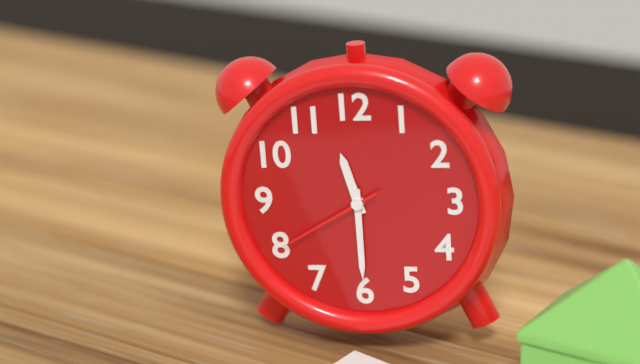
{"hour": 11, "minute": 30, "second": 40}
